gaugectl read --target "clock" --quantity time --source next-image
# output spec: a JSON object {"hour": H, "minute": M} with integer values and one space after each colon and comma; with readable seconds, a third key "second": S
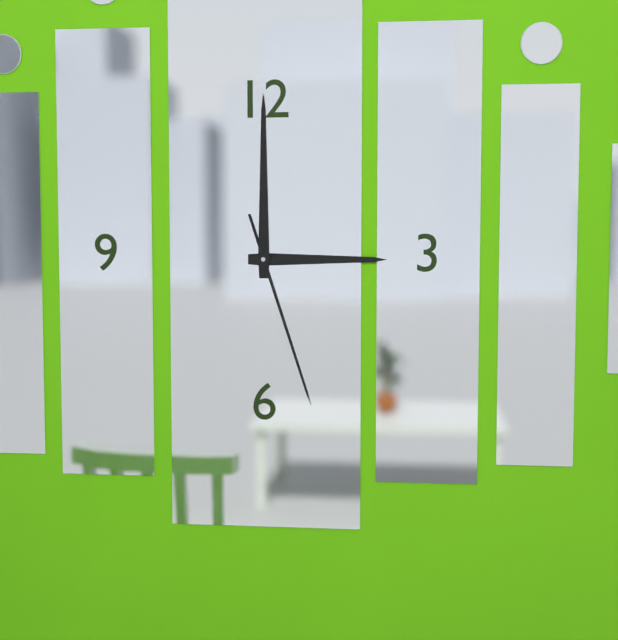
{"hour": 3, "minute": 0, "second": 27}
